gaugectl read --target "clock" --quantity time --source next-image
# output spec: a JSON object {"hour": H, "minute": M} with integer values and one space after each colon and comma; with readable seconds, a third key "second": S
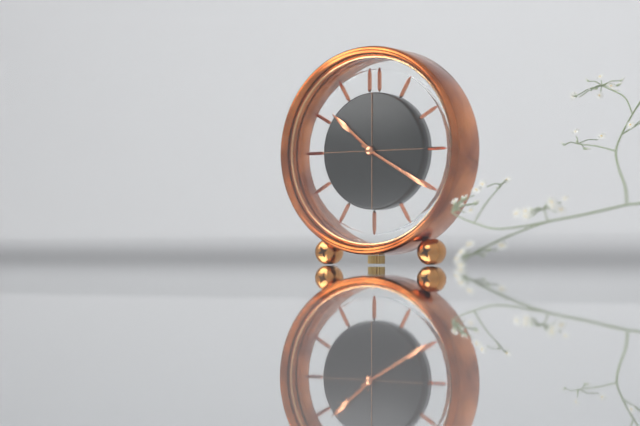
{"hour": 10, "minute": 20}
